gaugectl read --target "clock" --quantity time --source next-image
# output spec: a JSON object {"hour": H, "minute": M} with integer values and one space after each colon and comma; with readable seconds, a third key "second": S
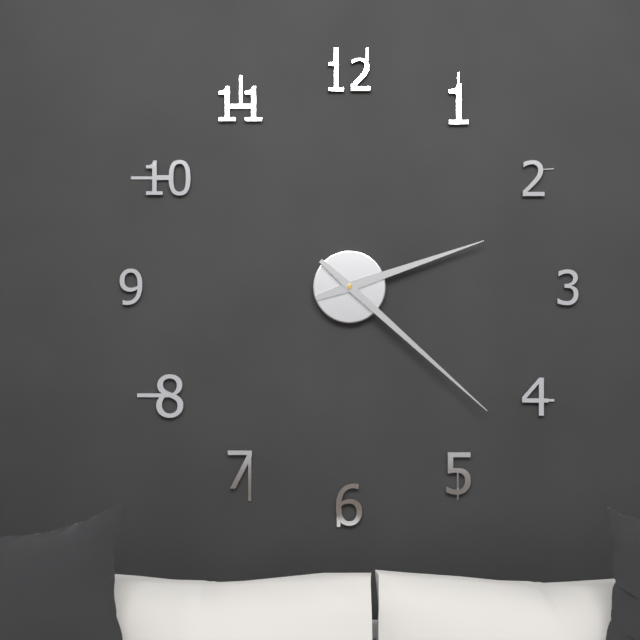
{"hour": 2, "minute": 22}
